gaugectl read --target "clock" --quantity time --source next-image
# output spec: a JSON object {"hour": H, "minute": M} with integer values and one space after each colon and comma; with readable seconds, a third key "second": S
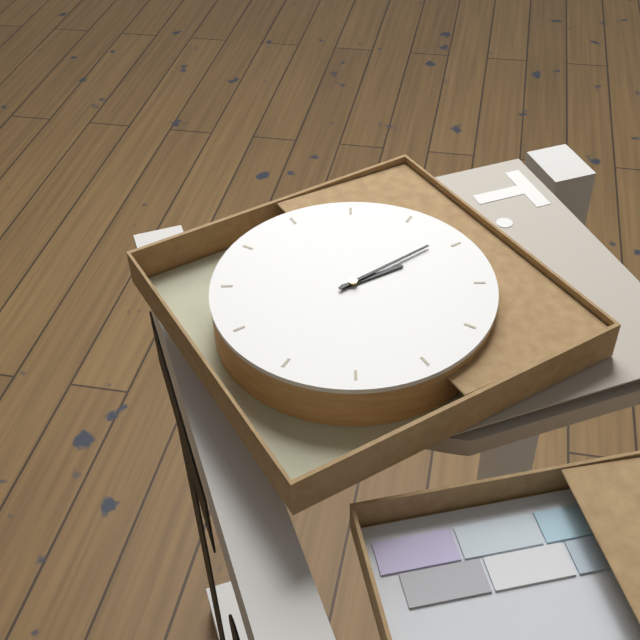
{"hour": 1, "minute": 4}
